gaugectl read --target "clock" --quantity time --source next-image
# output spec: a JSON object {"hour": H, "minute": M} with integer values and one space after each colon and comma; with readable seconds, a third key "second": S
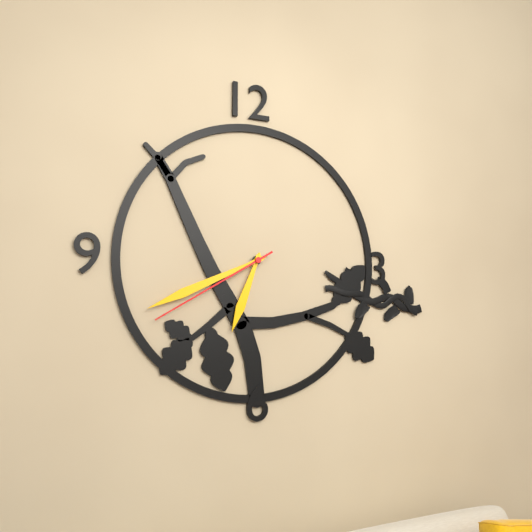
{"hour": 6, "minute": 41, "second": 40}
